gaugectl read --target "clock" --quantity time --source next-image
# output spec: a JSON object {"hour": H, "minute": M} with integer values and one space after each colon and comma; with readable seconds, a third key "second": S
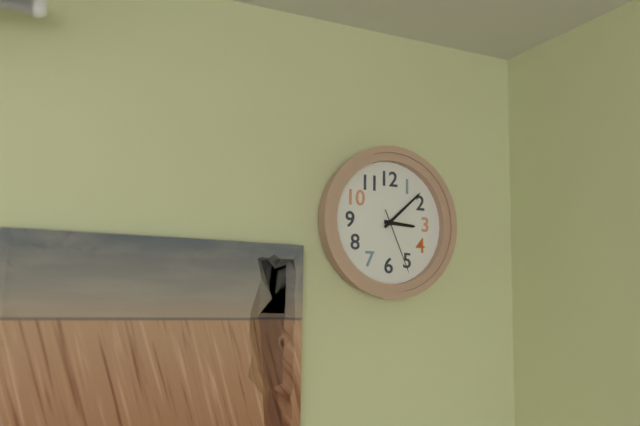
{"hour": 3, "minute": 8, "second": 26}
